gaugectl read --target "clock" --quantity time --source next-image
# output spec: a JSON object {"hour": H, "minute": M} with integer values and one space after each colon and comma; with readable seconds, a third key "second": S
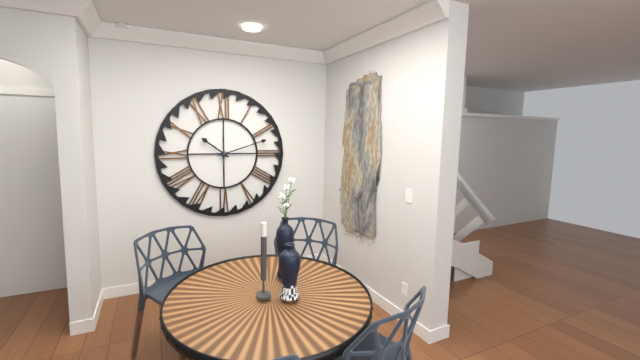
{"hour": 10, "minute": 12}
